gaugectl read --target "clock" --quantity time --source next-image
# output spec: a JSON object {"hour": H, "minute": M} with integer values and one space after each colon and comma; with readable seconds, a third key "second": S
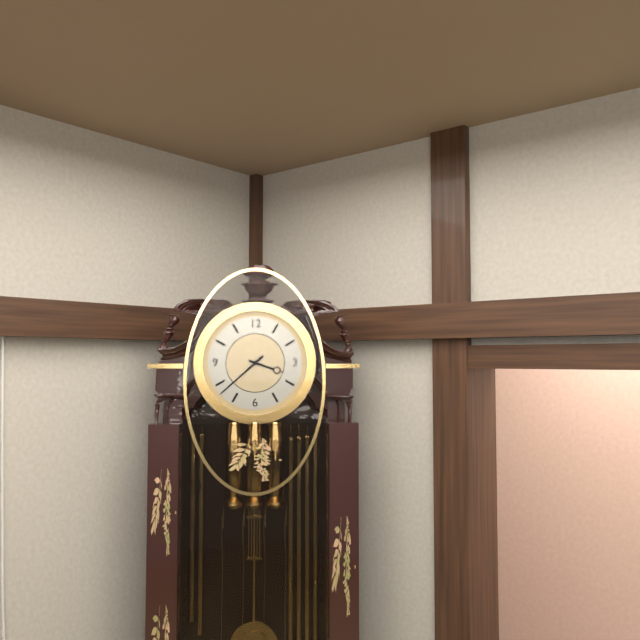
{"hour": 3, "minute": 38}
